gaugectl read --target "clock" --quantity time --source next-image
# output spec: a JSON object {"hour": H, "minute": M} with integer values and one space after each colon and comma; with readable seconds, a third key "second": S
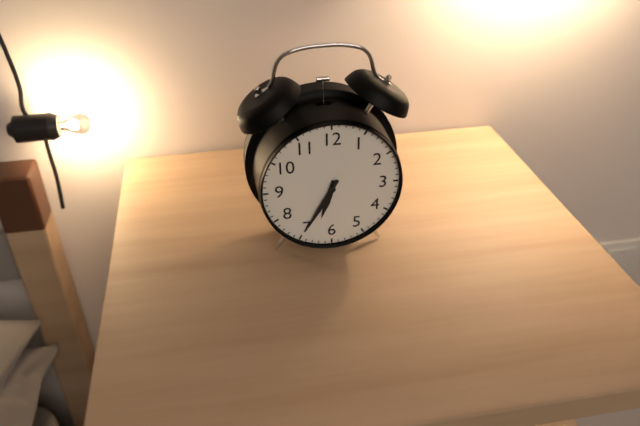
{"hour": 6, "minute": 35}
